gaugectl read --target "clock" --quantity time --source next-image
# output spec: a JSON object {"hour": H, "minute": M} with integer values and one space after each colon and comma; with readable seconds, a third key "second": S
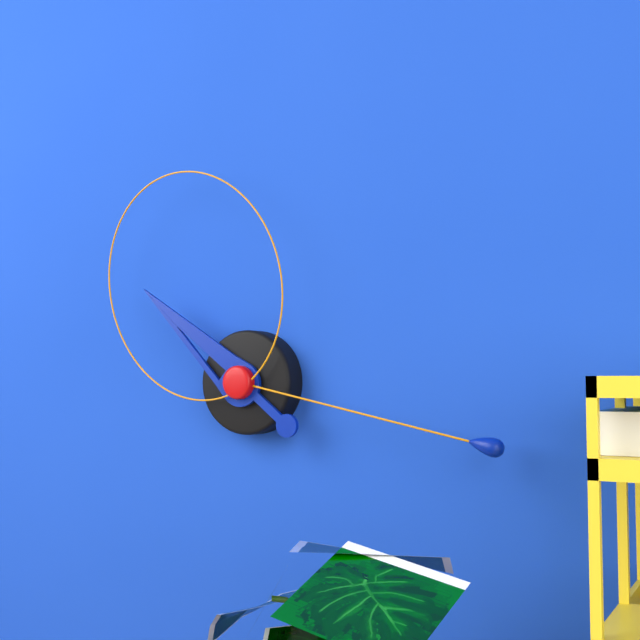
{"hour": 10, "minute": 17, "second": 55}
